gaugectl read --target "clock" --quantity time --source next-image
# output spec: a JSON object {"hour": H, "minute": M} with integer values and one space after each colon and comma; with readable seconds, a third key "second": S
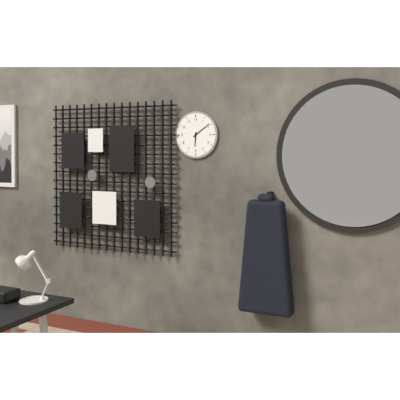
{"hour": 6, "minute": 9}
